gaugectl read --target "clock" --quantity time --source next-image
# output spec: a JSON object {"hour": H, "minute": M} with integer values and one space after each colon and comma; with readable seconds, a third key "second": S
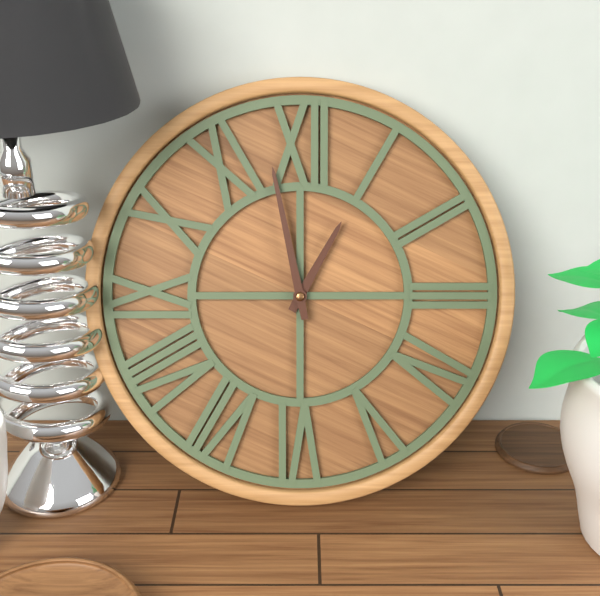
{"hour": 12, "minute": 58}
